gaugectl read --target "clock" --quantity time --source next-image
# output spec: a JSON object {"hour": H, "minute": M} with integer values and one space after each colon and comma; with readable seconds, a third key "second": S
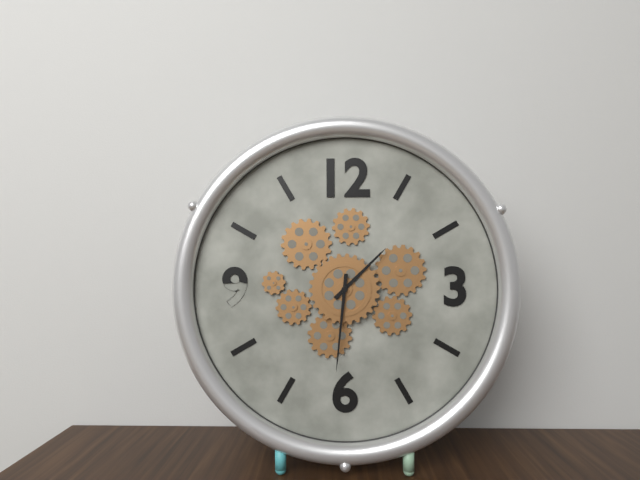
{"hour": 1, "minute": 31}
